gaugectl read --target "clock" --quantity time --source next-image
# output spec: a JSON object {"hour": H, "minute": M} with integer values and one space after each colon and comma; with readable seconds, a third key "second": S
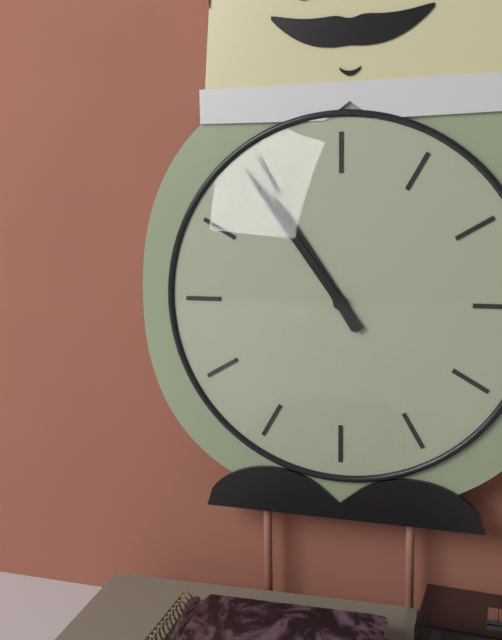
{"hour": 10, "minute": 54}
